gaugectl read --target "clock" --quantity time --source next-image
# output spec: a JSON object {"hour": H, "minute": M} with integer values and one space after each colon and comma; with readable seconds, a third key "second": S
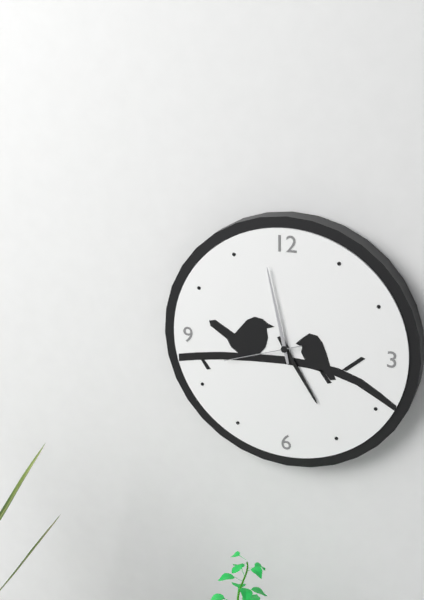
{"hour": 4, "minute": 58, "second": 42}
